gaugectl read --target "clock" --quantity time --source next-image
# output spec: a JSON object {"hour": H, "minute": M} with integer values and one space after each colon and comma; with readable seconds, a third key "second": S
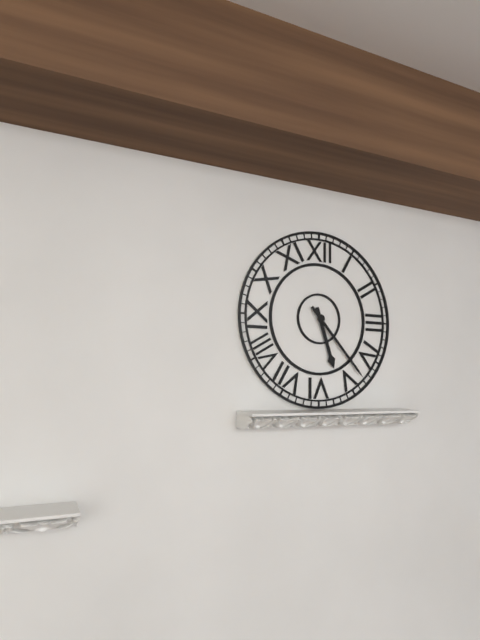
{"hour": 5, "minute": 23}
